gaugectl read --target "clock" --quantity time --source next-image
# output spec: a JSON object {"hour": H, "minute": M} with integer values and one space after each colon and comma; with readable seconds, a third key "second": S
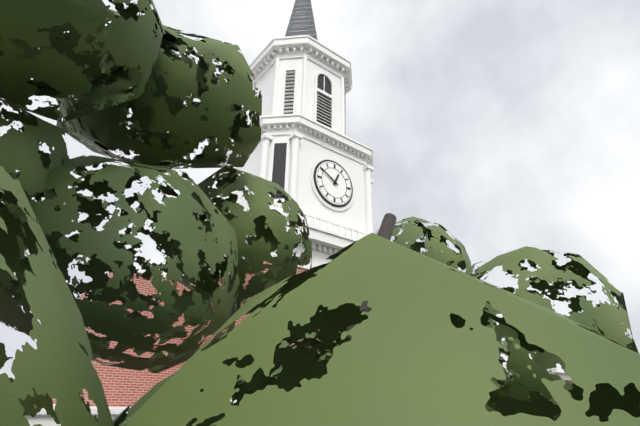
{"hour": 12, "minute": 50}
